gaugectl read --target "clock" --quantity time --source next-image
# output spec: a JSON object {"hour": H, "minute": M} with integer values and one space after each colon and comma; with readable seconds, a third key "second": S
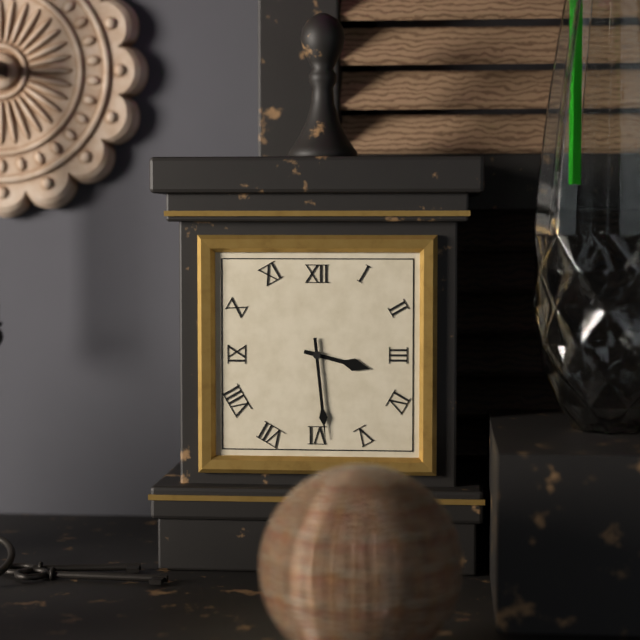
{"hour": 3, "minute": 29}
